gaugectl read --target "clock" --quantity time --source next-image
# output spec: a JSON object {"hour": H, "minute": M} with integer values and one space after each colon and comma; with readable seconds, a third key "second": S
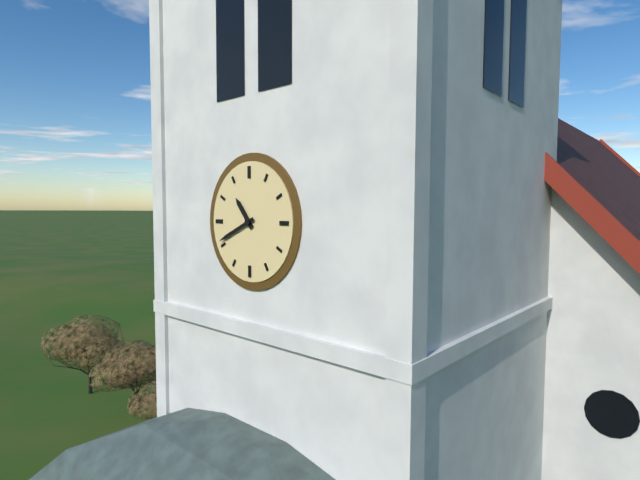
{"hour": 10, "minute": 41}
